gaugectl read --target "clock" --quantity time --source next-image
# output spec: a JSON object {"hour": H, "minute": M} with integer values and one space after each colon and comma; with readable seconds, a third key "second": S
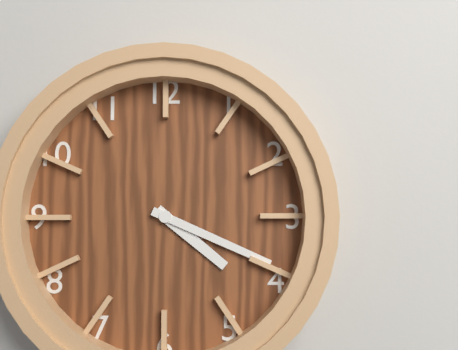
{"hour": 4, "minute": 19}
